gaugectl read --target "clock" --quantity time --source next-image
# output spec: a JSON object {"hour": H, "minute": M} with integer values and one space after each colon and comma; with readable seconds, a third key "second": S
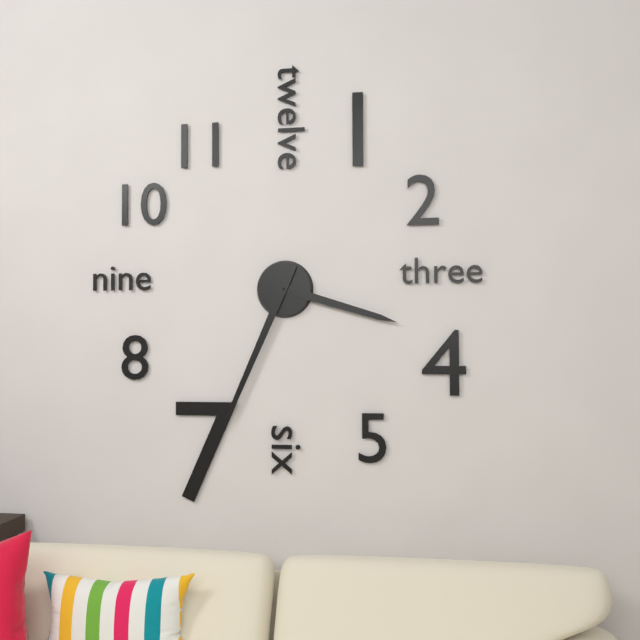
{"hour": 3, "minute": 34}
